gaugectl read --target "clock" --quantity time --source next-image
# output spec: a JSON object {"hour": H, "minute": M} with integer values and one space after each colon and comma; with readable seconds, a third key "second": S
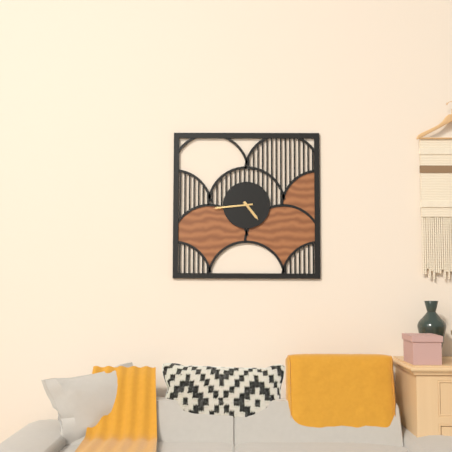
{"hour": 4, "minute": 44}
